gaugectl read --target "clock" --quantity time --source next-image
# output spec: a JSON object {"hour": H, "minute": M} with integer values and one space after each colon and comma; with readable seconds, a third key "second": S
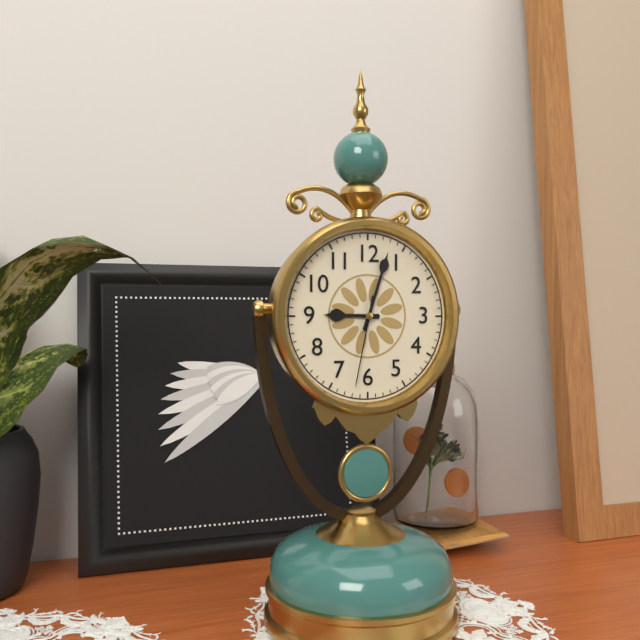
{"hour": 9, "minute": 3, "second": 32}
